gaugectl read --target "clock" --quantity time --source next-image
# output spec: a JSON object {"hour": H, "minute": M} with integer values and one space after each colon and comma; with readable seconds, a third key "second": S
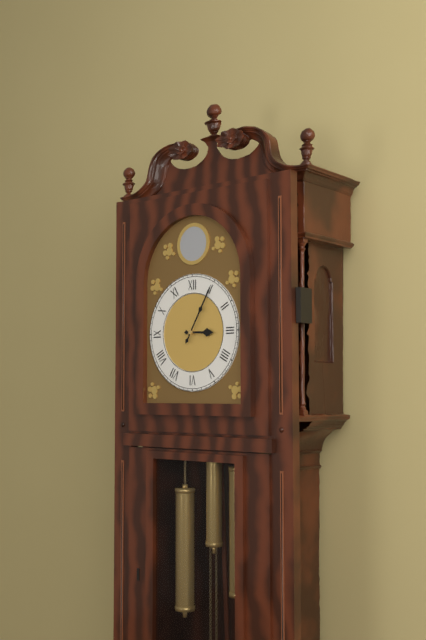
{"hour": 3, "minute": 5}
